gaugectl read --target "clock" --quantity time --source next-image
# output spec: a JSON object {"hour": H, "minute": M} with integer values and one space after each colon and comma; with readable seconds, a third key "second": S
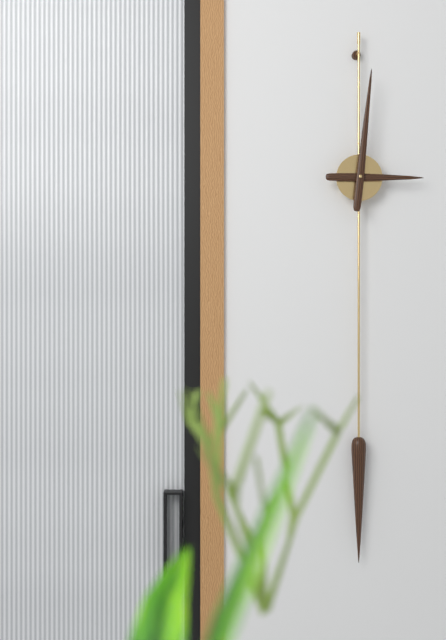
{"hour": 3, "minute": 1}
